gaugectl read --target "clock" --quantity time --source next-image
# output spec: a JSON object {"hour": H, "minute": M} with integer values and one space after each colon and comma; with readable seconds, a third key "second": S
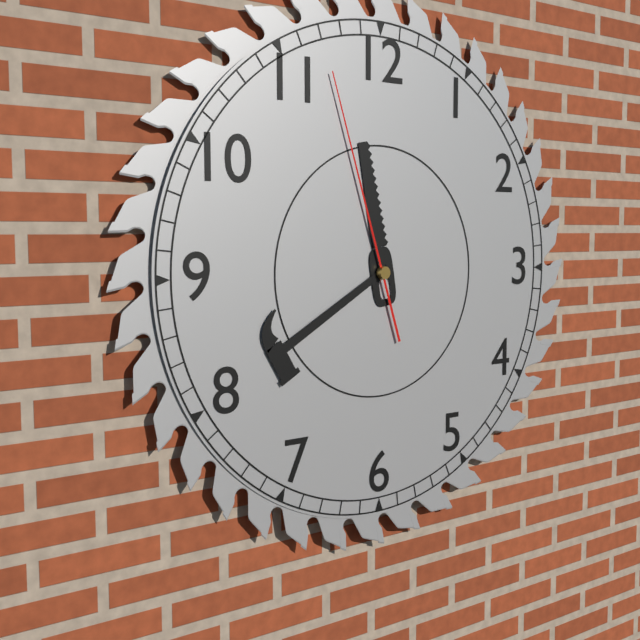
{"hour": 11, "minute": 40, "second": 57}
